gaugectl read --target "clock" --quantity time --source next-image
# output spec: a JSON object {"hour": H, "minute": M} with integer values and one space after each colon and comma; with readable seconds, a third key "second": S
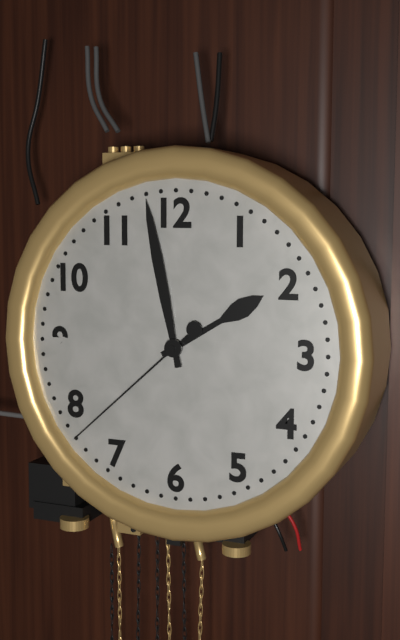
{"hour": 1, "minute": 58, "second": 38}
